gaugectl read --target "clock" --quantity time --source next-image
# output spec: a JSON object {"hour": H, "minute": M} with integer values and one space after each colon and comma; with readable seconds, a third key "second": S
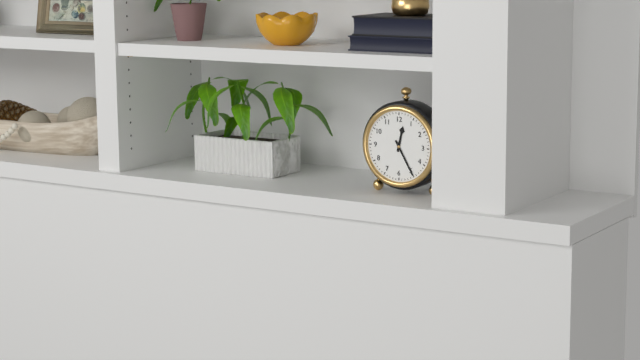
{"hour": 12, "minute": 25}
